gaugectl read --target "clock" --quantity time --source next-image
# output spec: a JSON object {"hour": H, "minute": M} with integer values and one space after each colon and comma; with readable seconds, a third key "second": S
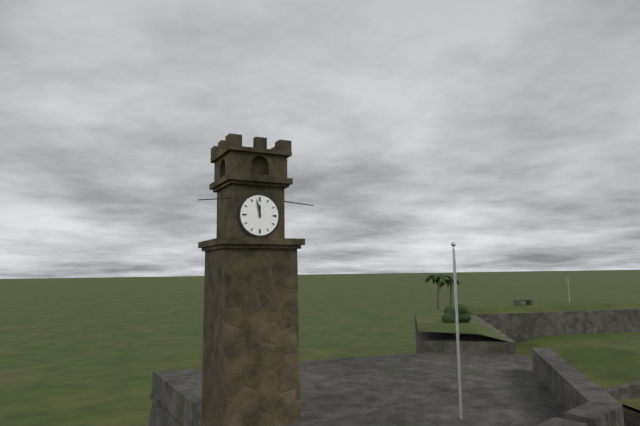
{"hour": 11, "minute": 58}
